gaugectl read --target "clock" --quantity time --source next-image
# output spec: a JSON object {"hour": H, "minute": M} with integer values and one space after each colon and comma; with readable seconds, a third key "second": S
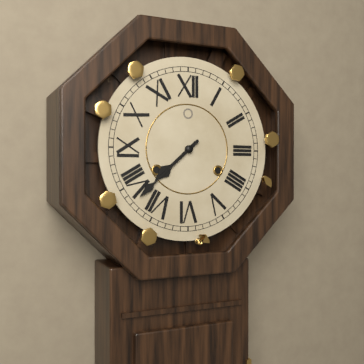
{"hour": 7, "minute": 38}
